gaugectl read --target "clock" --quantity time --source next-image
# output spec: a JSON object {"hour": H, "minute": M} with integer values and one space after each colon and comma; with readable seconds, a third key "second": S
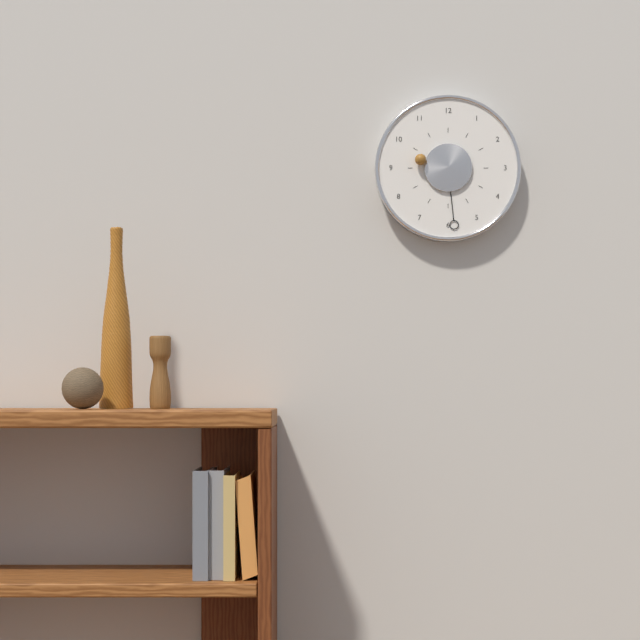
{"hour": 9, "minute": 29}
